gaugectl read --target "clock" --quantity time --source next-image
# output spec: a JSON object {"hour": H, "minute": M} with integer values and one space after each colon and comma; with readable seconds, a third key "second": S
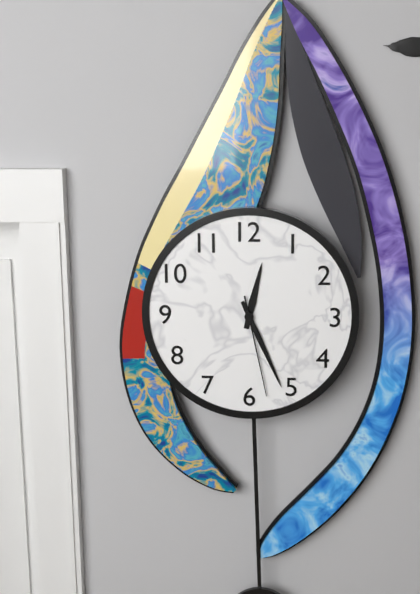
{"hour": 12, "minute": 26, "second": 28}
